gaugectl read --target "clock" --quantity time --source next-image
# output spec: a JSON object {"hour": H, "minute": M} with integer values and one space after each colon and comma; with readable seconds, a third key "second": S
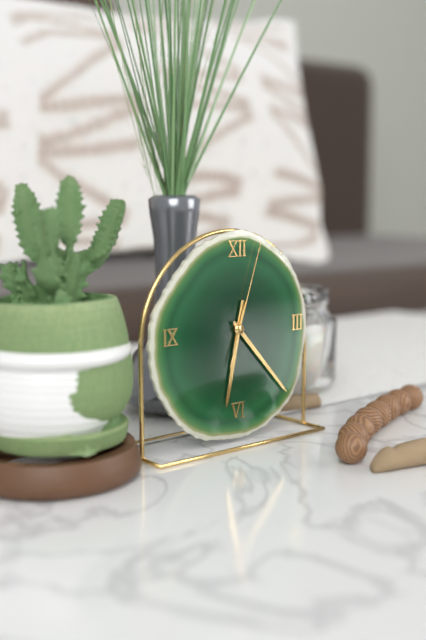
{"hour": 6, "minute": 23, "second": 3}
